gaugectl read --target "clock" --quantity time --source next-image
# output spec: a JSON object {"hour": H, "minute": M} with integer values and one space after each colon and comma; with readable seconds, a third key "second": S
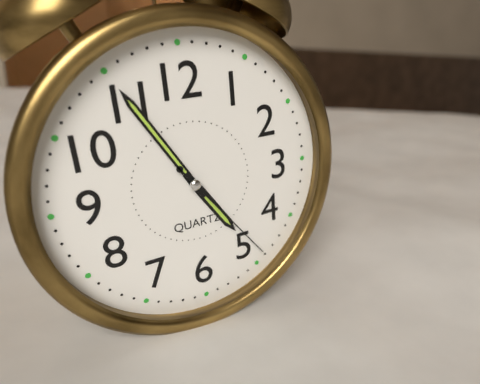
{"hour": 4, "minute": 55, "second": 24}
